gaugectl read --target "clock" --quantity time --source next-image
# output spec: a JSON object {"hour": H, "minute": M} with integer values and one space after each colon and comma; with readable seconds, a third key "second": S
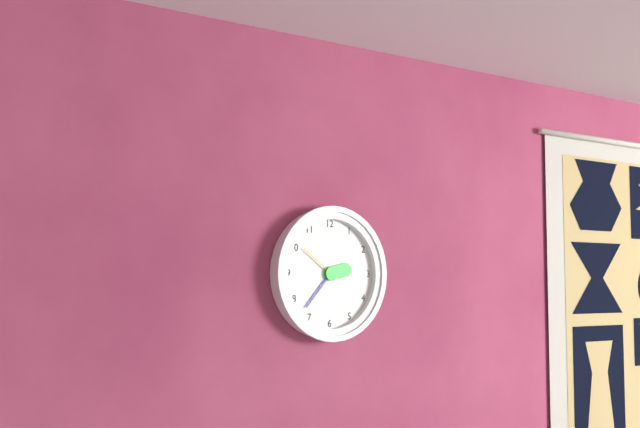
{"hour": 2, "minute": 37}
